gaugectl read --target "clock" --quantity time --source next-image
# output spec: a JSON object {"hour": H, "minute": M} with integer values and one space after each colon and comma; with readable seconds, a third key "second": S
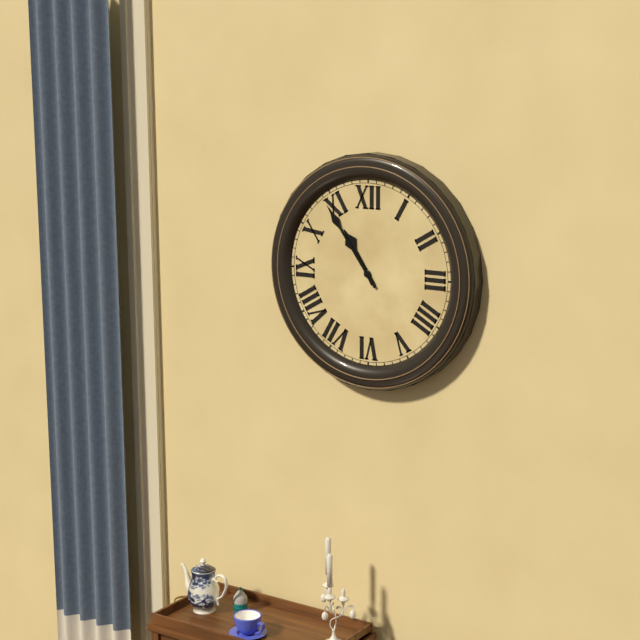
{"hour": 10, "minute": 54}
